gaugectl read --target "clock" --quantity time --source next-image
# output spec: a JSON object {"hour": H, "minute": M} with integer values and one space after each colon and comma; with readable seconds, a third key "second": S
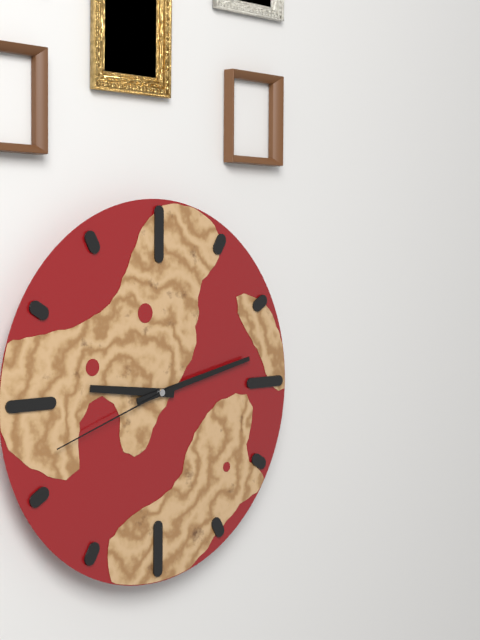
{"hour": 9, "minute": 13, "second": 42}
